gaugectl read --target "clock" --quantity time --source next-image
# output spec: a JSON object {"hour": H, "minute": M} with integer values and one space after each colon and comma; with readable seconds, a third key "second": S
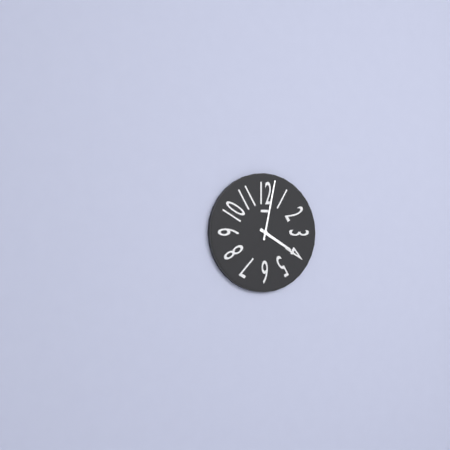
{"hour": 4, "minute": 2}
